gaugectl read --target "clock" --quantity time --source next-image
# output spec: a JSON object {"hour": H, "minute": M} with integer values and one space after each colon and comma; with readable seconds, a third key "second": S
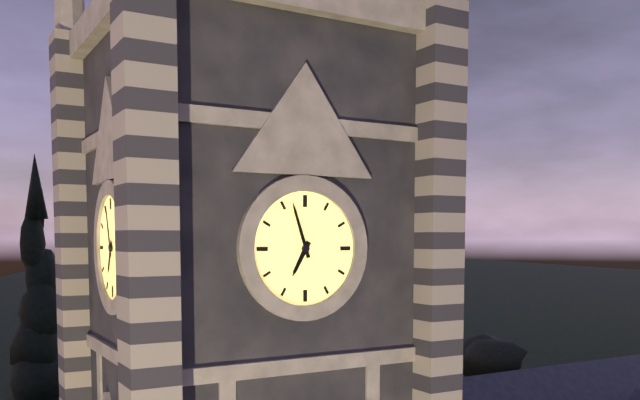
{"hour": 6, "minute": 57}
